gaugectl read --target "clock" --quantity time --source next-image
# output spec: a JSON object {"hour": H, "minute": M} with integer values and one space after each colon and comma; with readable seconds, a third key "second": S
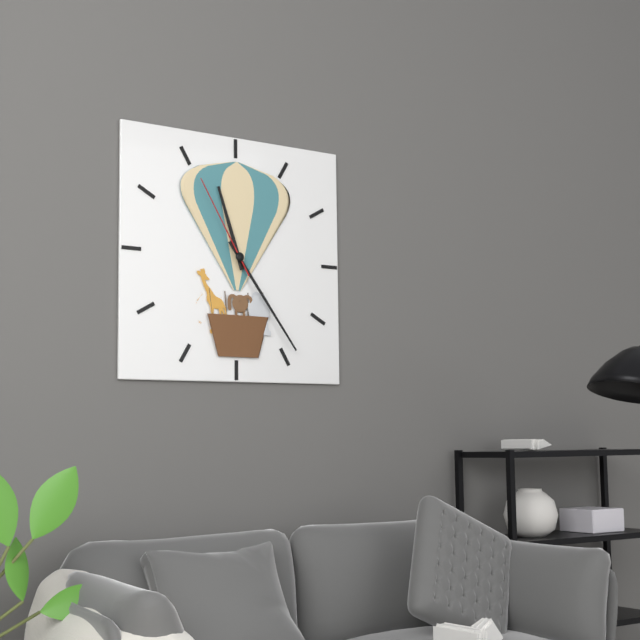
{"hour": 11, "minute": 24, "second": 55}
